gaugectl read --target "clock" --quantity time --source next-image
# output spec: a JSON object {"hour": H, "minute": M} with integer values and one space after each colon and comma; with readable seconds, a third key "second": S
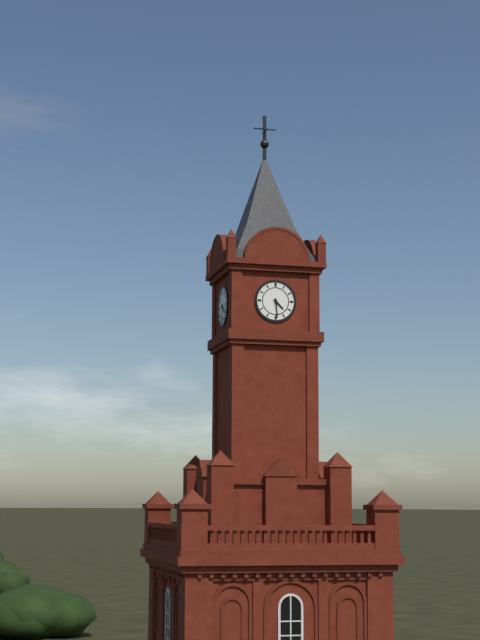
{"hour": 4, "minute": 29}
